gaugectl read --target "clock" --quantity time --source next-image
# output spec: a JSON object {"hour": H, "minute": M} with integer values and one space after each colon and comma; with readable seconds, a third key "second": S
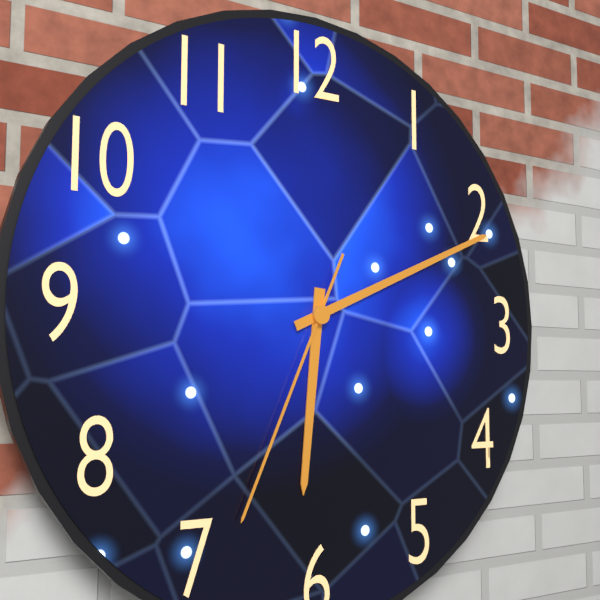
{"hour": 6, "minute": 11, "second": 34}
